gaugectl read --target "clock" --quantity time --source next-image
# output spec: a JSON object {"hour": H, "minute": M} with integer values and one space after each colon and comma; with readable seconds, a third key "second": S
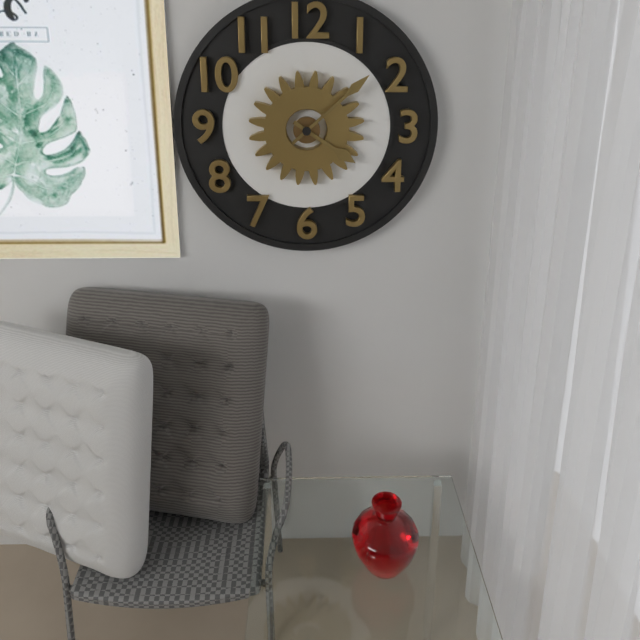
{"hour": 4, "minute": 8}
